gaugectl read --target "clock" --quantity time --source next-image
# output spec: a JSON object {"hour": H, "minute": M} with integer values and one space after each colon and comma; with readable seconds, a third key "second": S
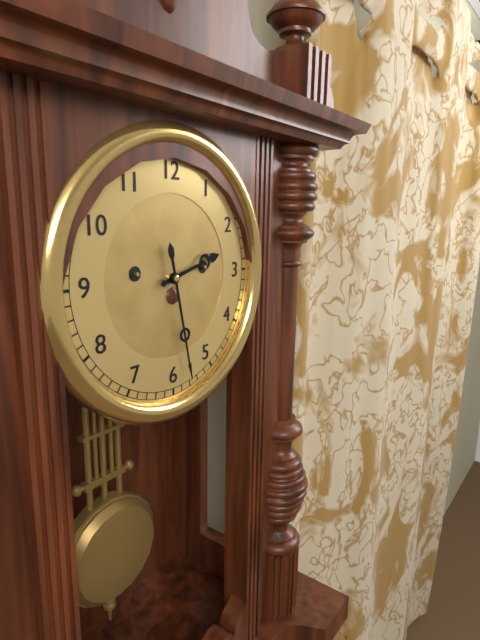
{"hour": 2, "minute": 28}
